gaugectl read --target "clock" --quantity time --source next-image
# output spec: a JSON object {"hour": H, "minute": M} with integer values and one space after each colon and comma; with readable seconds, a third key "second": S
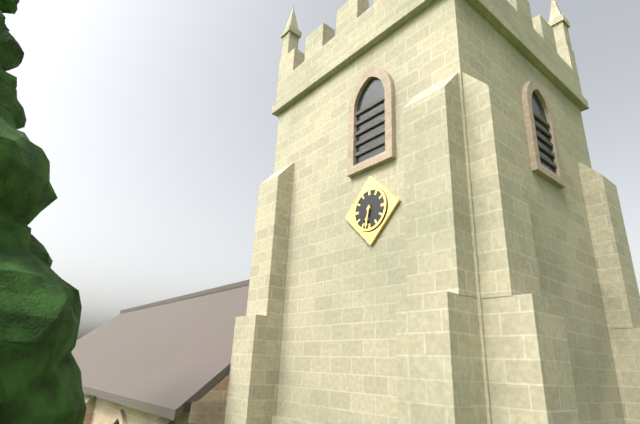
{"hour": 6, "minute": 32}
